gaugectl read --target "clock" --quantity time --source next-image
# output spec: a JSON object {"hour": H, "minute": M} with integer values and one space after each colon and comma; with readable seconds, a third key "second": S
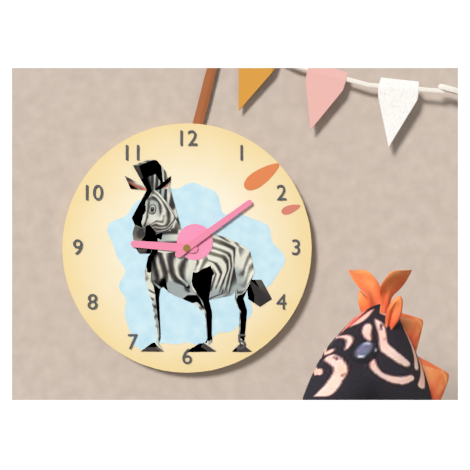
{"hour": 9, "minute": 9}
